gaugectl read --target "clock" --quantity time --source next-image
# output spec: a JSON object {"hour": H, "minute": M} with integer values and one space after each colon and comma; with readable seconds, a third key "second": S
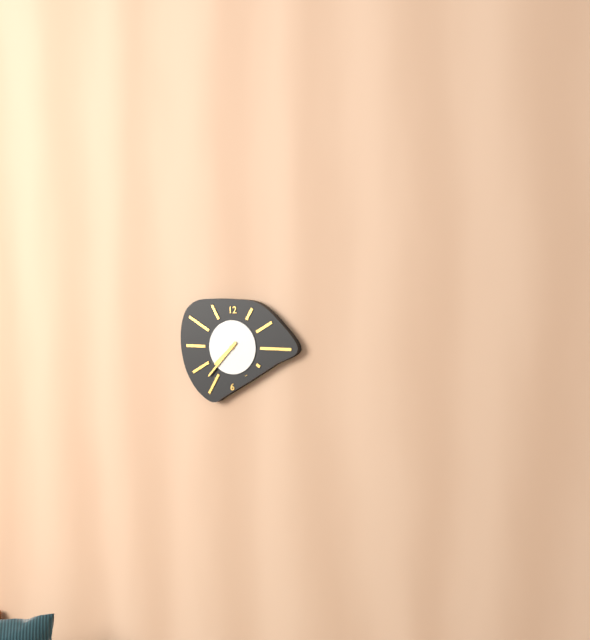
{"hour": 7, "minute": 37}
